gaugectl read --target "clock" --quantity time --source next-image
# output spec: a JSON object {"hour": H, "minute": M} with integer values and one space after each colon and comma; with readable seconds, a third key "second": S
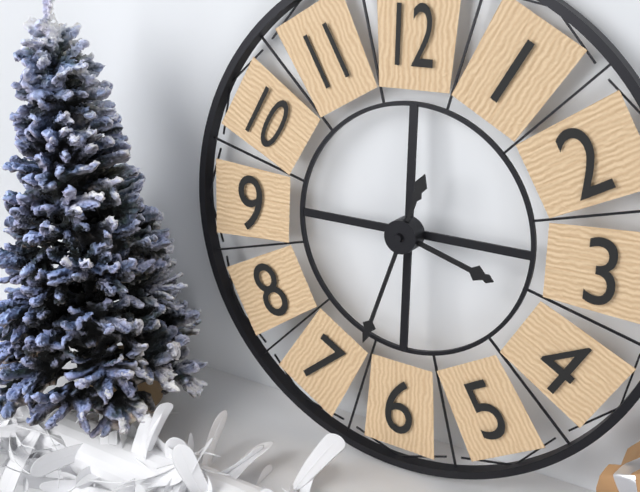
{"hour": 3, "minute": 33}
